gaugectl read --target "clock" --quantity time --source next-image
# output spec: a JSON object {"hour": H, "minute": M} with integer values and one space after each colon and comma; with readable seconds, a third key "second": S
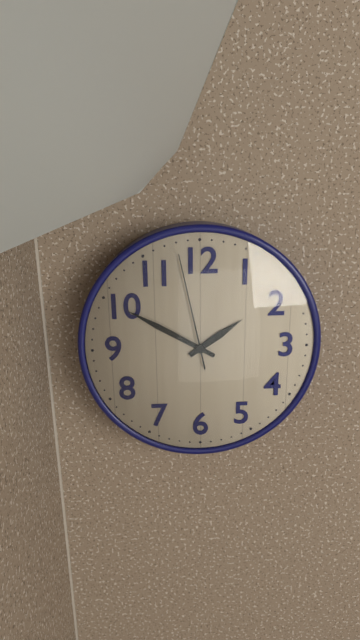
{"hour": 1, "minute": 50, "second": 58}
